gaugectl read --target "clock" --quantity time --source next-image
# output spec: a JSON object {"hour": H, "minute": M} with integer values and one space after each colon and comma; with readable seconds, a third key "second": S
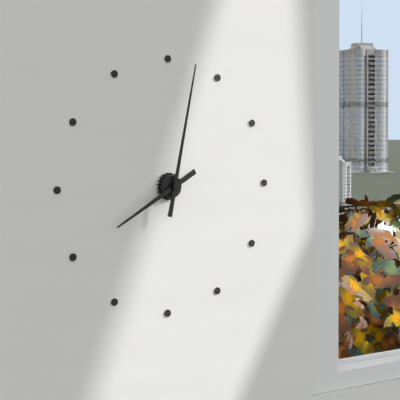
{"hour": 8, "minute": 2}
